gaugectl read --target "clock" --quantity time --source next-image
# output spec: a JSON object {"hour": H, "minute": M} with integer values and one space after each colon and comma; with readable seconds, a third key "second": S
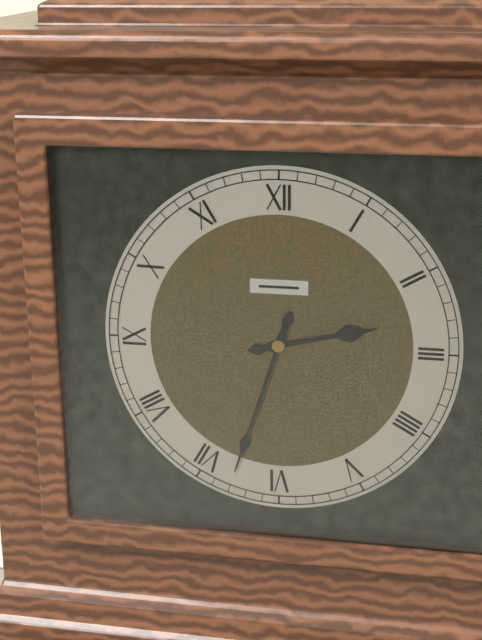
{"hour": 2, "minute": 33}
